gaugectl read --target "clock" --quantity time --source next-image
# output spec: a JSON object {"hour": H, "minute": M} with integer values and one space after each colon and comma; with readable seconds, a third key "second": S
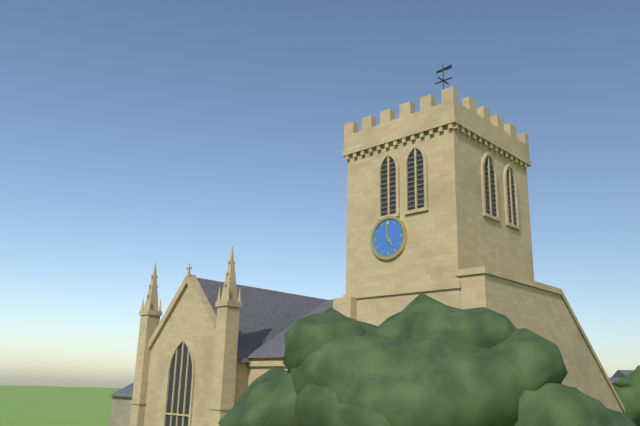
{"hour": 4, "minute": 59}
